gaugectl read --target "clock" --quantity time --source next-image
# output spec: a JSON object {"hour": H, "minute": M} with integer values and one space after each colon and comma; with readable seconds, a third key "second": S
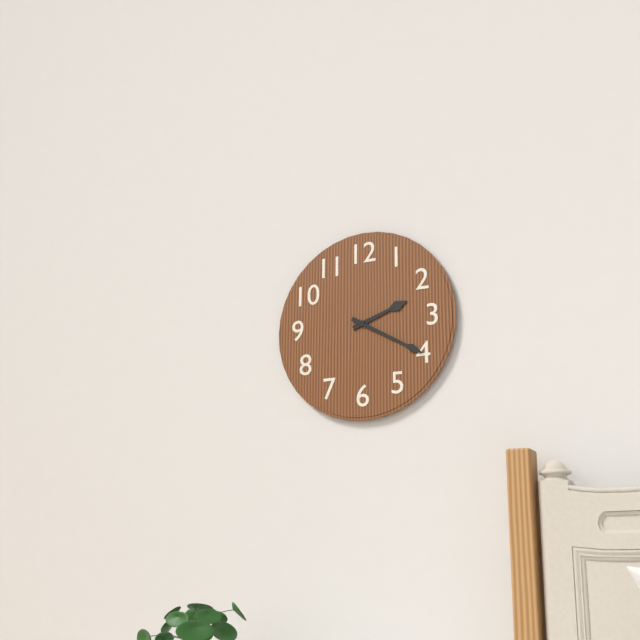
{"hour": 2, "minute": 20}
